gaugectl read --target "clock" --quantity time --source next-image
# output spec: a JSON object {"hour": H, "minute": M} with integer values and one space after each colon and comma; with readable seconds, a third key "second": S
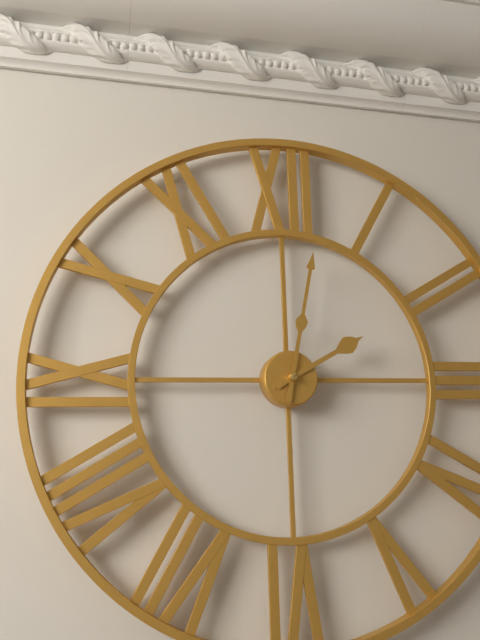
{"hour": 2, "minute": 2}
